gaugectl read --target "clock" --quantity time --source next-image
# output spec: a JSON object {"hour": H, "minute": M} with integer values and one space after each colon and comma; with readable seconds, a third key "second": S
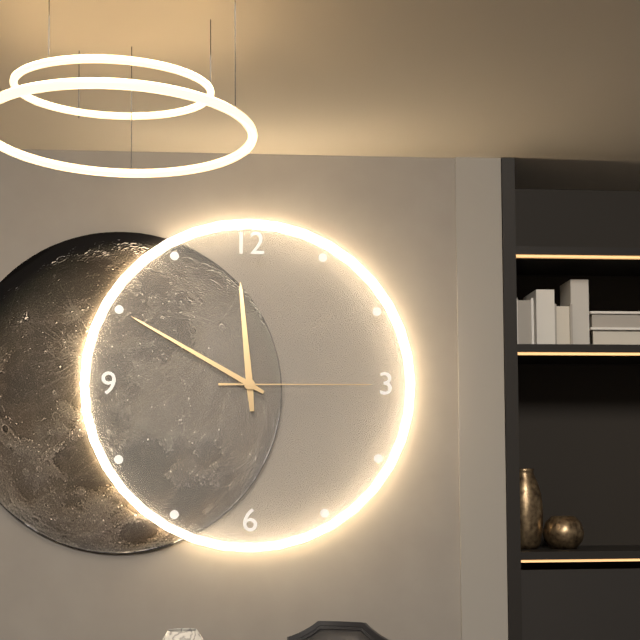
{"hour": 11, "minute": 50, "second": 15}
